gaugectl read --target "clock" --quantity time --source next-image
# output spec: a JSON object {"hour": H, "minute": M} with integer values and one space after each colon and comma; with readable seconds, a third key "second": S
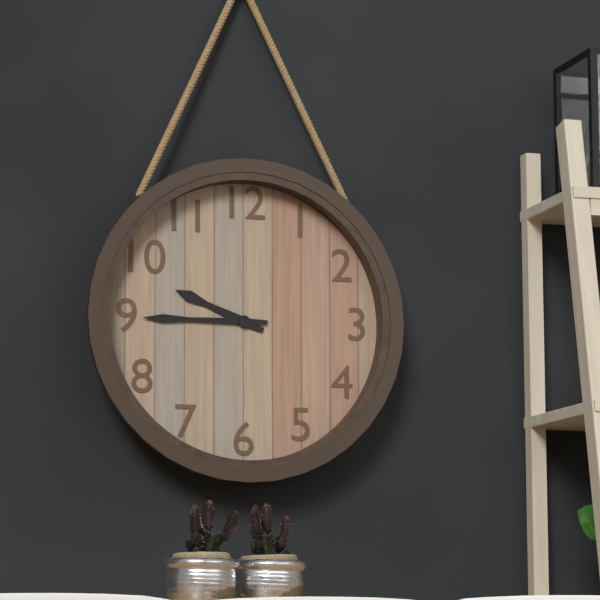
{"hour": 9, "minute": 45}
